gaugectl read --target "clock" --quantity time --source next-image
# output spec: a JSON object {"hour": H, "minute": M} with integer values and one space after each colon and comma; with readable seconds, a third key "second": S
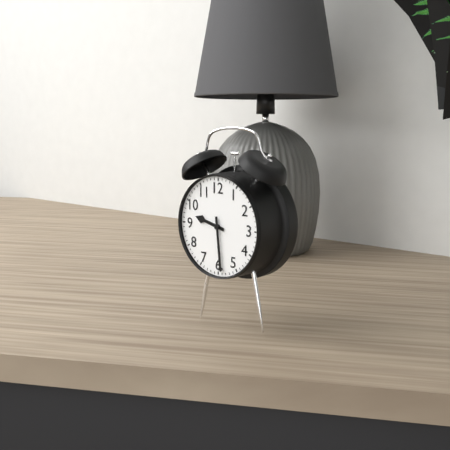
{"hour": 9, "minute": 29}
